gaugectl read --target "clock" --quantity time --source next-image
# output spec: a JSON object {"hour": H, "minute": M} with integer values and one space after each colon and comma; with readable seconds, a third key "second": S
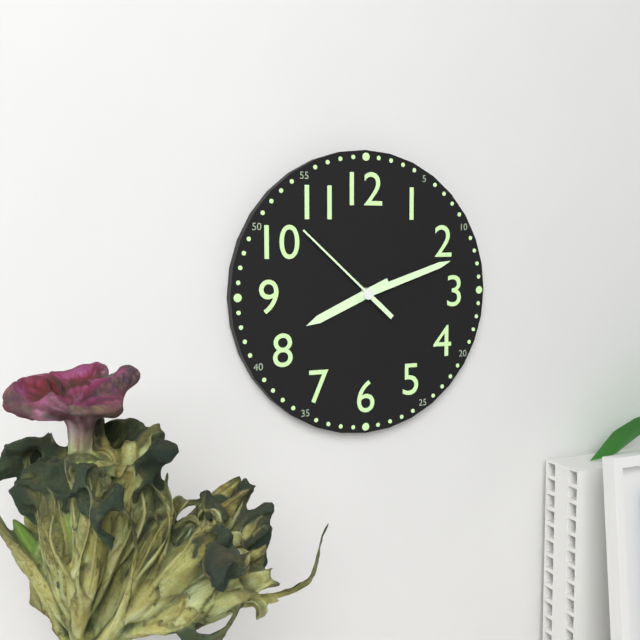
{"hour": 8, "minute": 12, "second": 52}
